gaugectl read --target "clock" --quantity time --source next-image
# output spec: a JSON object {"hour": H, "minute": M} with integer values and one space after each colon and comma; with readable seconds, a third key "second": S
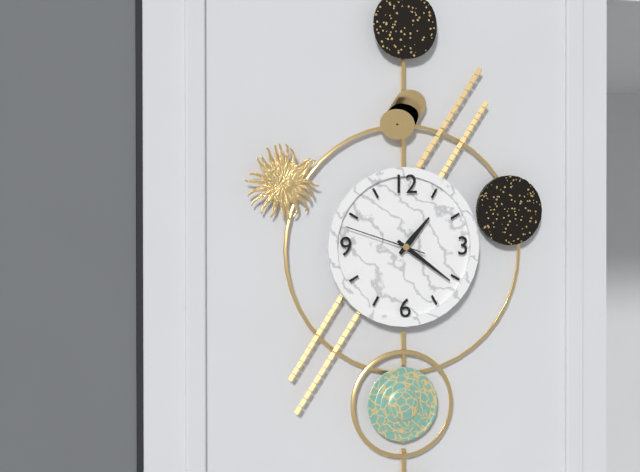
{"hour": 1, "minute": 21, "second": 48}
